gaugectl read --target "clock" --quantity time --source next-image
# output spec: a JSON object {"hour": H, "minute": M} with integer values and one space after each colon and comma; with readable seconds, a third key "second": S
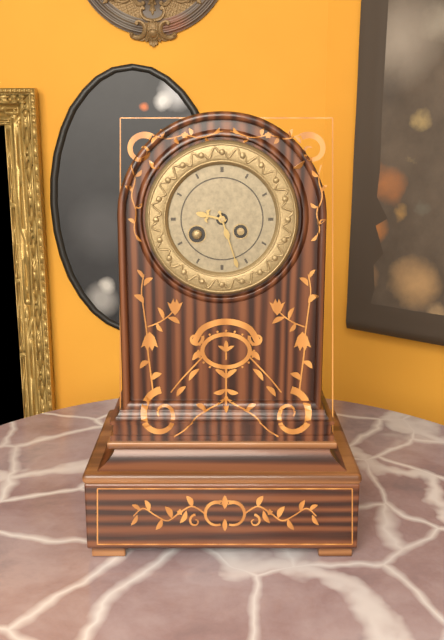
{"hour": 9, "minute": 27}
